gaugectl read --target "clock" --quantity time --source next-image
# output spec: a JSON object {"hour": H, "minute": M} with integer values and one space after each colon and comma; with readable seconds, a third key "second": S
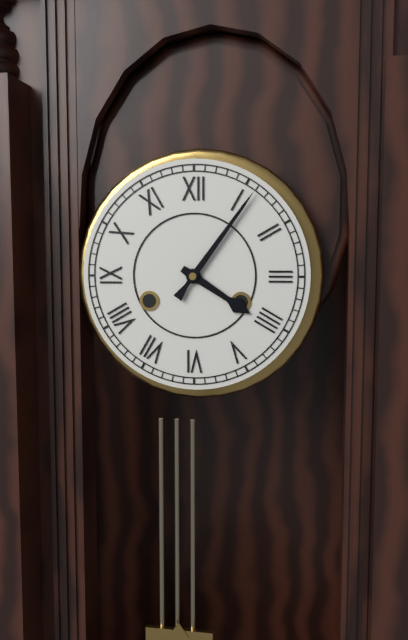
{"hour": 4, "minute": 6}
